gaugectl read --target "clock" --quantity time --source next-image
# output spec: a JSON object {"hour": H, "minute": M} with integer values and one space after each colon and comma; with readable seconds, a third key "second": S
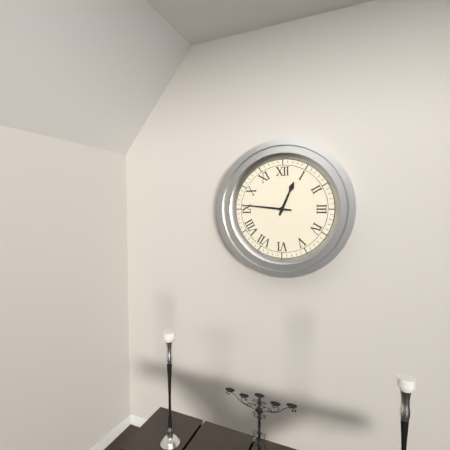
{"hour": 12, "minute": 46}
